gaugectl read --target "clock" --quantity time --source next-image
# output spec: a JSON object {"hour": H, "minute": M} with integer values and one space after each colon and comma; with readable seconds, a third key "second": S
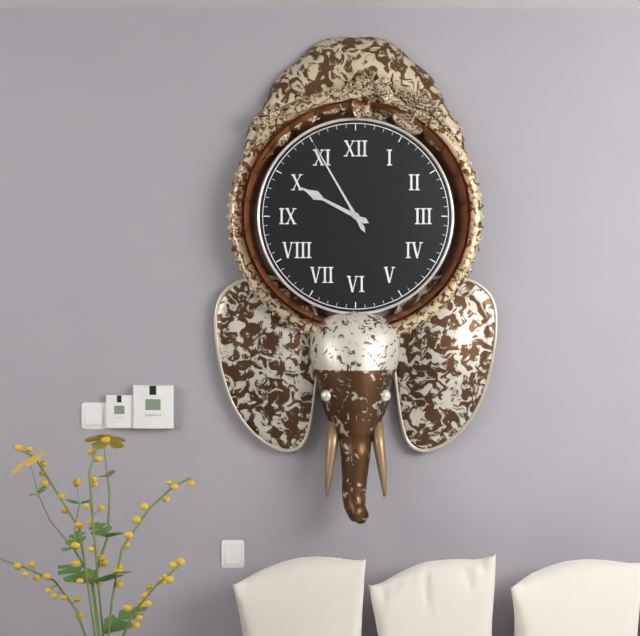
{"hour": 9, "minute": 55}
